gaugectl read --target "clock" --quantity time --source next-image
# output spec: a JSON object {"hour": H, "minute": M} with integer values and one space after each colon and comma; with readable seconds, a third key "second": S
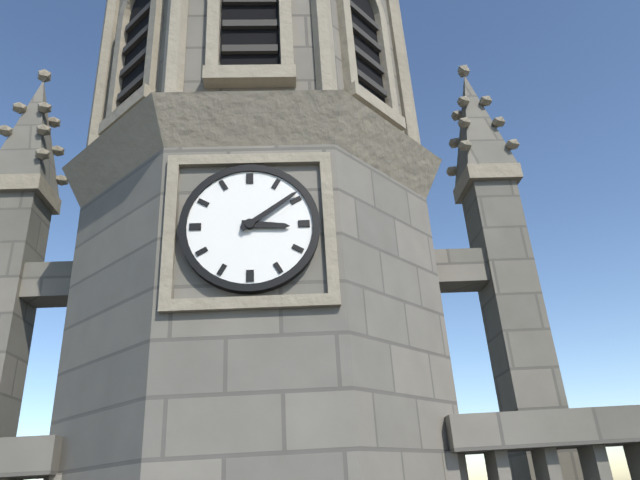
{"hour": 3, "minute": 9}
